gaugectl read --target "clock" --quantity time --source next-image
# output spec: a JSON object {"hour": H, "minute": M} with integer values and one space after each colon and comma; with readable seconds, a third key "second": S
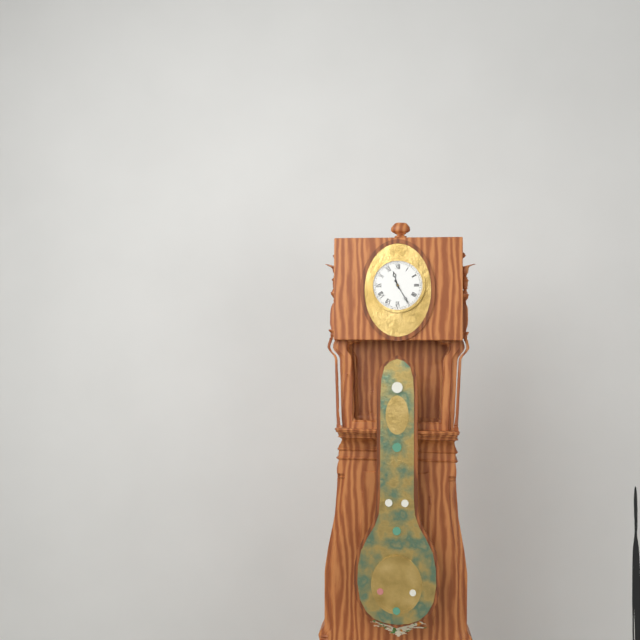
{"hour": 11, "minute": 25}
